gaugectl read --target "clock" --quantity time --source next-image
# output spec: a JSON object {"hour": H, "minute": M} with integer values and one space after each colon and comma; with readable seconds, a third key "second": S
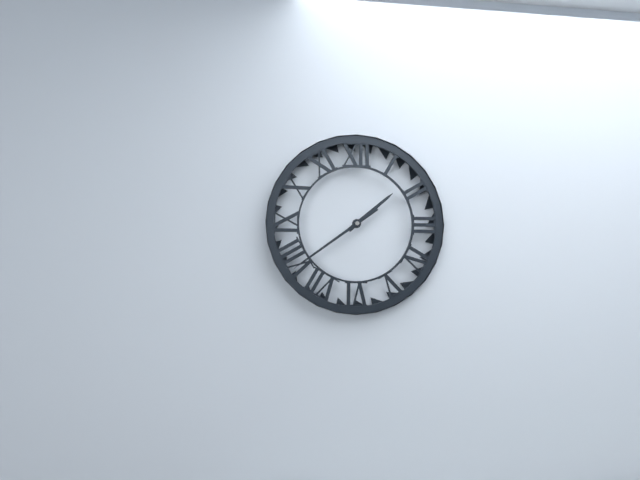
{"hour": 1, "minute": 39}
